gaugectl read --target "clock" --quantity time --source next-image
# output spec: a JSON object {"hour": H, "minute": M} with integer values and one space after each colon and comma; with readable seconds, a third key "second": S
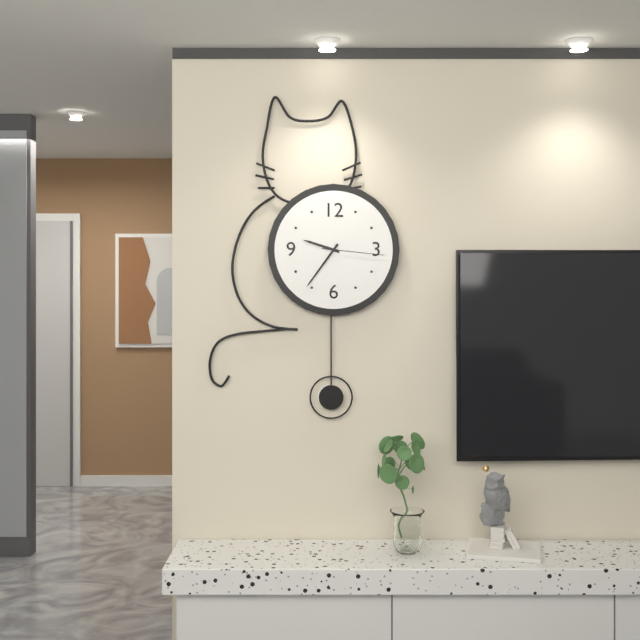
{"hour": 9, "minute": 36, "second": 16}
